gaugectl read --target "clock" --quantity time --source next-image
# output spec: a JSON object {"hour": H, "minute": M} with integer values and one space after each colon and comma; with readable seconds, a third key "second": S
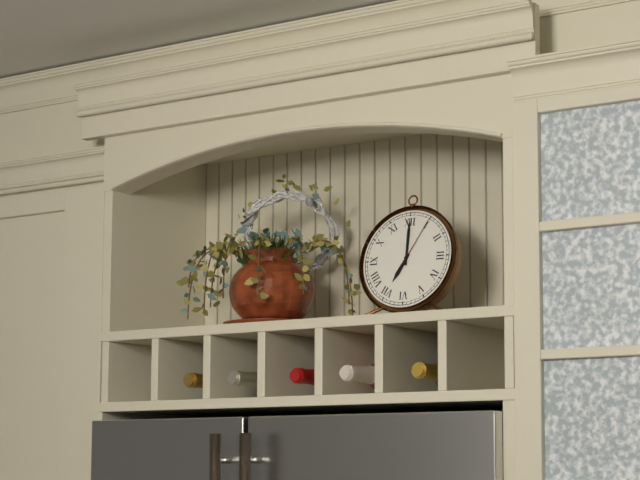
{"hour": 7, "minute": 0, "second": 5}
